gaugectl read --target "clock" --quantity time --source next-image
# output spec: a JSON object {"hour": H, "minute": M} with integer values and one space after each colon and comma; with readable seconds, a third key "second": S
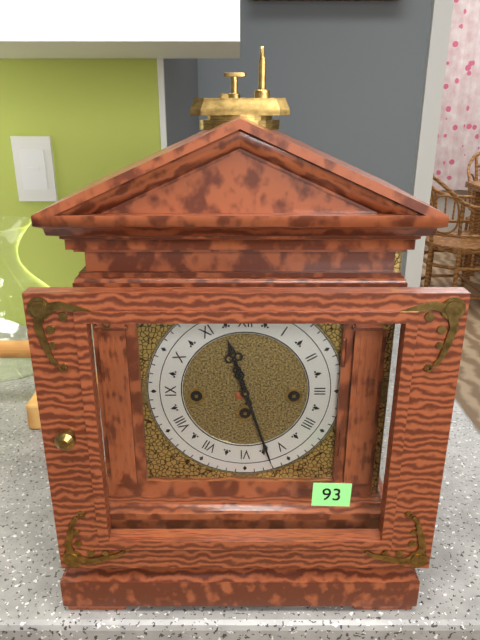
{"hour": 11, "minute": 27}
